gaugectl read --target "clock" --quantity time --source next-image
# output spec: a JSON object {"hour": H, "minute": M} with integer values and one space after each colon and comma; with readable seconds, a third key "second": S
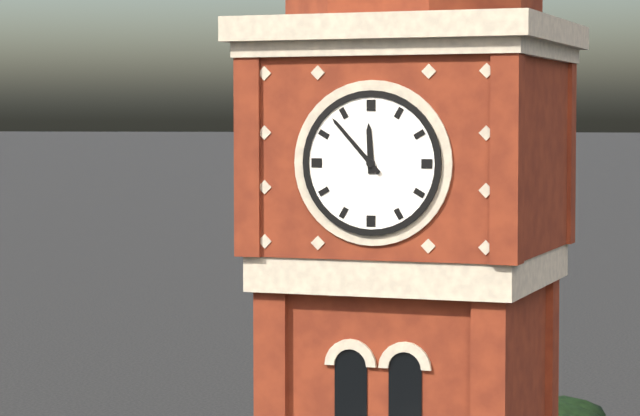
{"hour": 11, "minute": 53}
